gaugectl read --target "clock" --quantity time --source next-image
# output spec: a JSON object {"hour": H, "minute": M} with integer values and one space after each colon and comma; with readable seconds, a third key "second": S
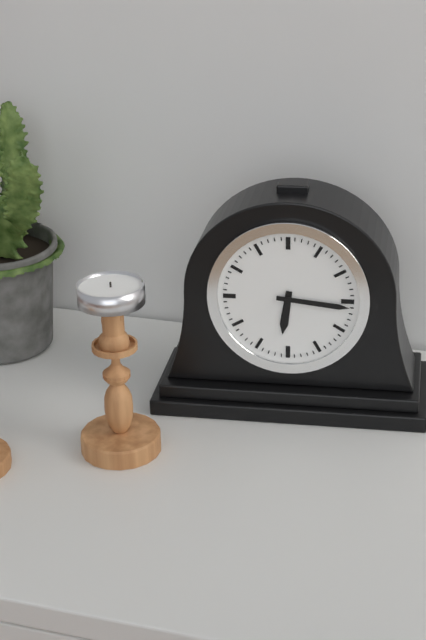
{"hour": 6, "minute": 16}
